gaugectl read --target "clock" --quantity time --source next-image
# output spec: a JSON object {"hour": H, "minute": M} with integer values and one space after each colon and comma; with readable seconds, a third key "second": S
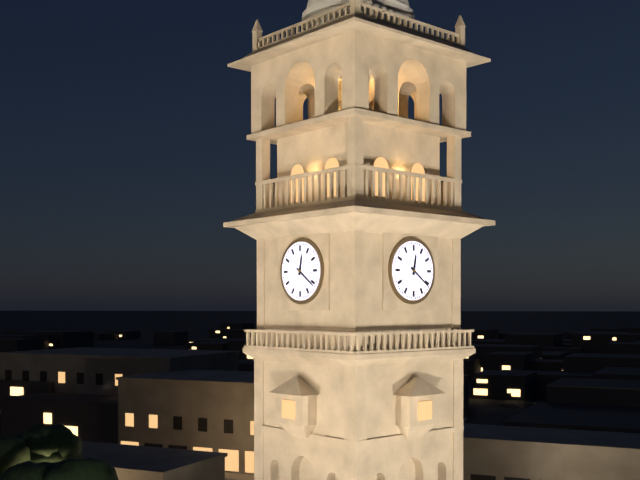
{"hour": 12, "minute": 21}
